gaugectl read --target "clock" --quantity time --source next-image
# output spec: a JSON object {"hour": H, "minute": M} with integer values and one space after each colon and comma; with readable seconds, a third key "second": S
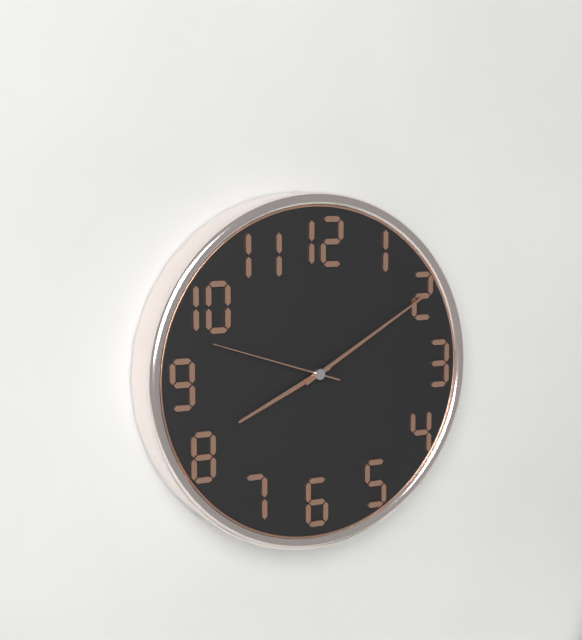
{"hour": 8, "minute": 10, "second": 48}
